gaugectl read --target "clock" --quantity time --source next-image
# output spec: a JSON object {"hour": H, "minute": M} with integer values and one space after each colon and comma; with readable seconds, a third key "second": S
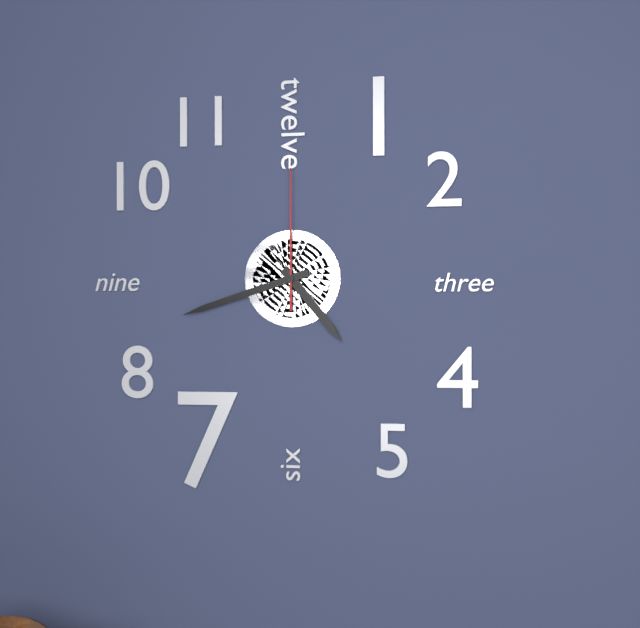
{"hour": 4, "minute": 42, "second": 0}
